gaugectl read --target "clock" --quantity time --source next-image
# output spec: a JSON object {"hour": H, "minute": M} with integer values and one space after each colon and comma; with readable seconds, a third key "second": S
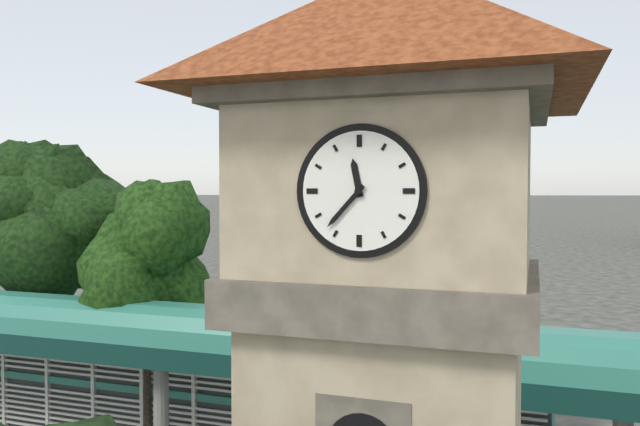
{"hour": 11, "minute": 37}
